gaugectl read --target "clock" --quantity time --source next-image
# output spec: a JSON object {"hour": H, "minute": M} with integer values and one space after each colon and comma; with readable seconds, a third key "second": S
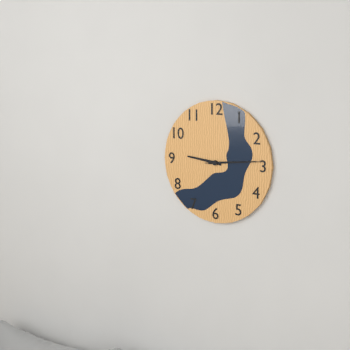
{"hour": 9, "minute": 14, "second": 14}
